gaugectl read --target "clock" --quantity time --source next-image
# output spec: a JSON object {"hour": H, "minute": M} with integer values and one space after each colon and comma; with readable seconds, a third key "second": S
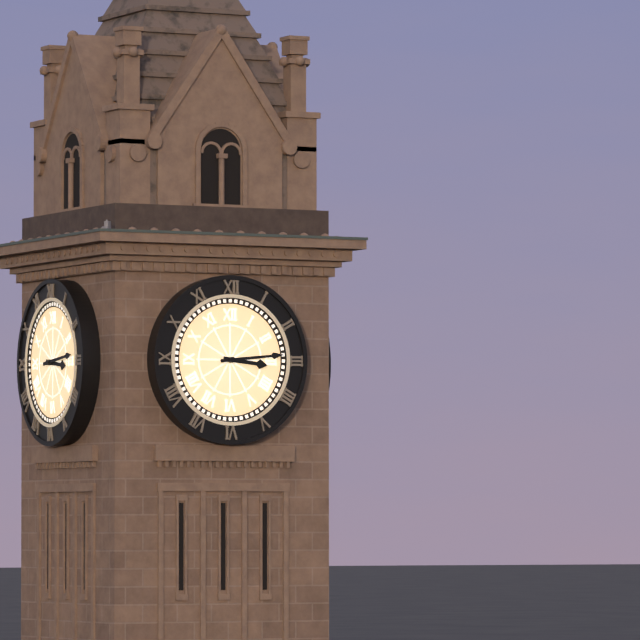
{"hour": 3, "minute": 14}
